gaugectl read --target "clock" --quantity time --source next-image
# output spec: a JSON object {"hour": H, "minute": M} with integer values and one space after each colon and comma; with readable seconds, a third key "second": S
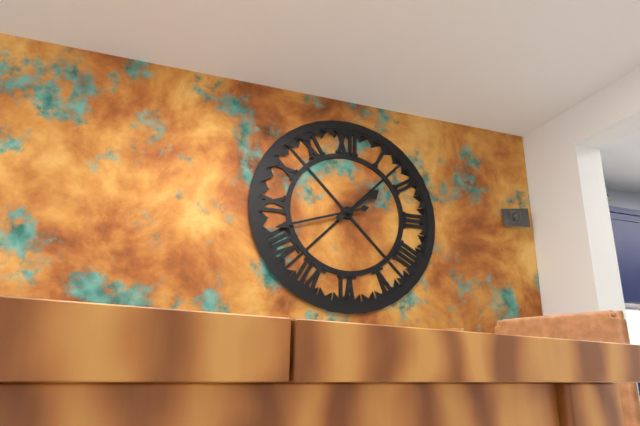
{"hour": 1, "minute": 42}
